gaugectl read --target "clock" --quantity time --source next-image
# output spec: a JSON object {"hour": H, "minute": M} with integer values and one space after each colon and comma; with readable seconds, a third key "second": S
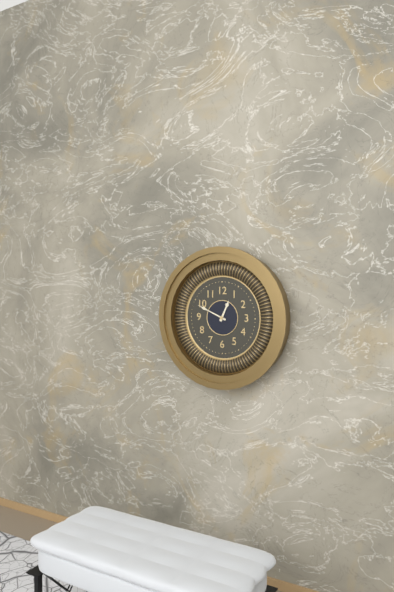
{"hour": 12, "minute": 49}
